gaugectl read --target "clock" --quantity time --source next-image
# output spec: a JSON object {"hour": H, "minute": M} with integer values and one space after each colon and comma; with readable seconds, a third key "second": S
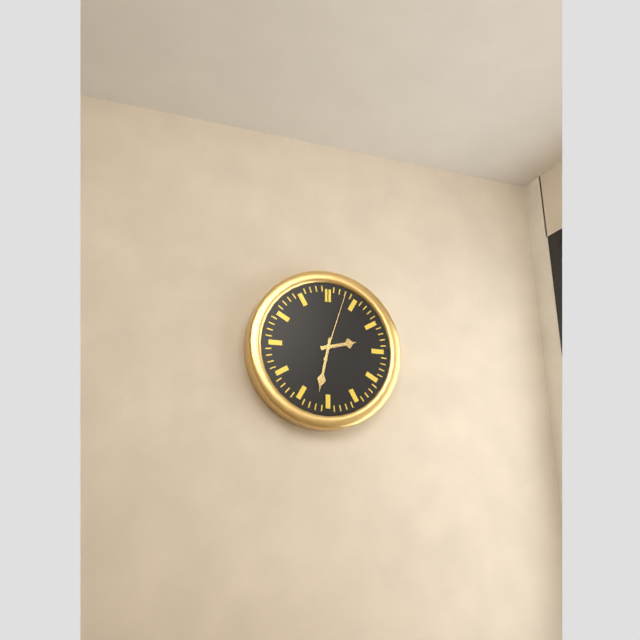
{"hour": 2, "minute": 32, "second": 3}
